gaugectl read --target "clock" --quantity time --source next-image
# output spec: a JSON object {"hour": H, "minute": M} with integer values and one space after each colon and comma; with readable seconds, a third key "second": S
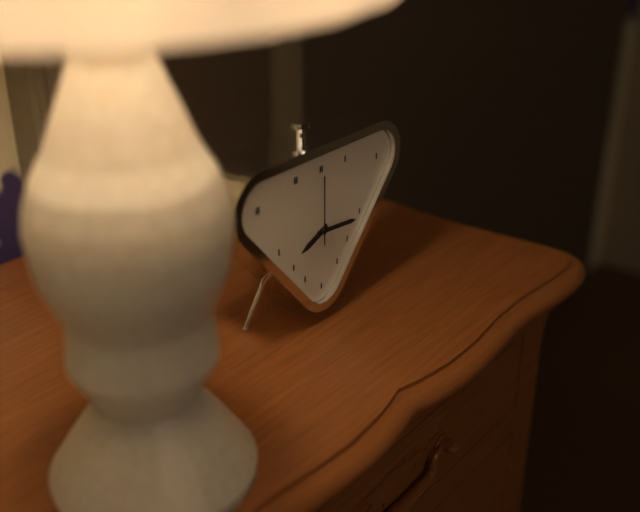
{"hour": 8, "minute": 16, "second": 0}
